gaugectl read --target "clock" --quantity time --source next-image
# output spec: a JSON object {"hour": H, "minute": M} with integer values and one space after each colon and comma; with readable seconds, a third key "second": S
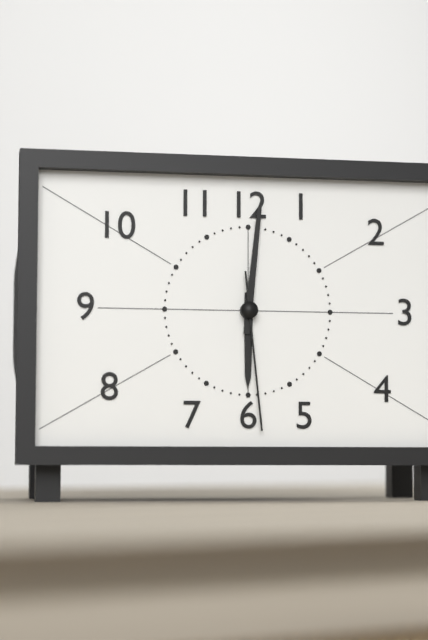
{"hour": 6, "minute": 1, "second": 29}
